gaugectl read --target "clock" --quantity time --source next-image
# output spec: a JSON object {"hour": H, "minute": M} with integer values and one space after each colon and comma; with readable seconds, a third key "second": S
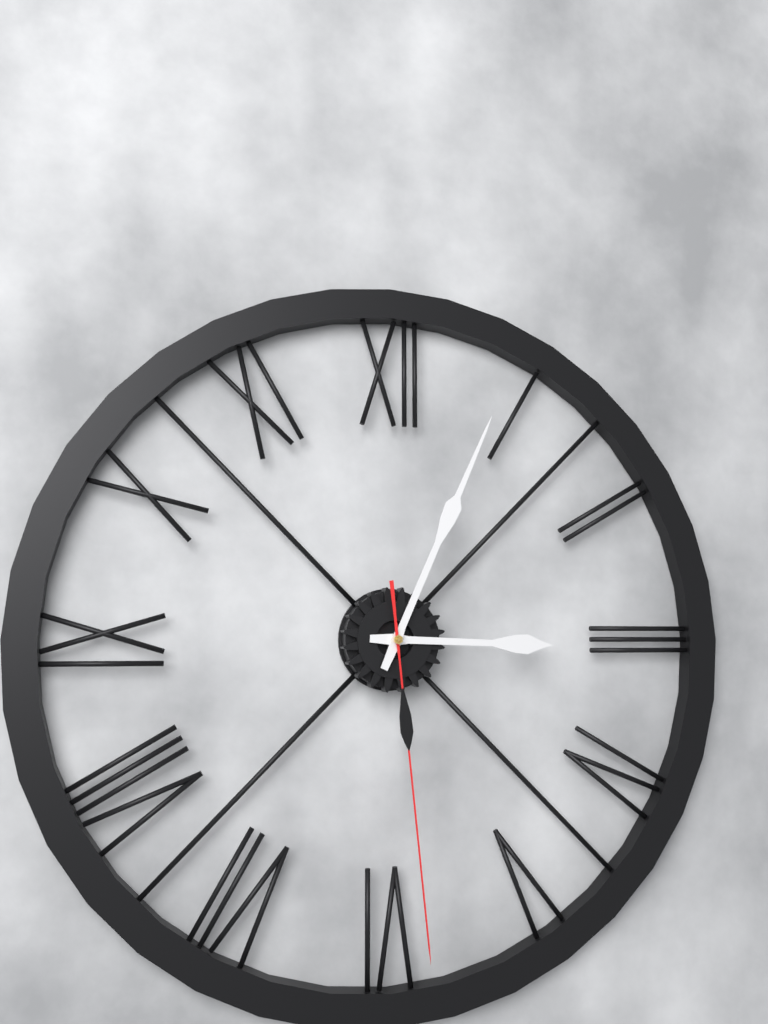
{"hour": 3, "minute": 4, "second": 29}
